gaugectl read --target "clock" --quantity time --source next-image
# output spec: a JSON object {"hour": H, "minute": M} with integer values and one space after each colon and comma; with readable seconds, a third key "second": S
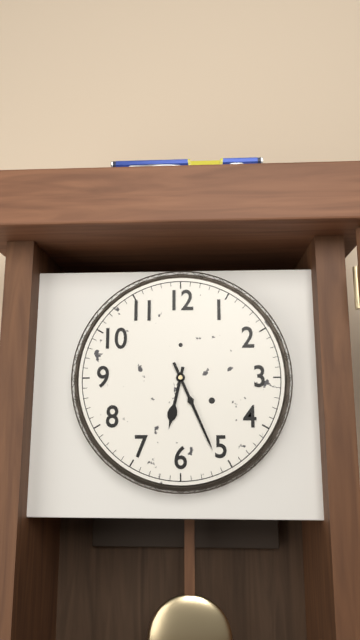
{"hour": 6, "minute": 26}
